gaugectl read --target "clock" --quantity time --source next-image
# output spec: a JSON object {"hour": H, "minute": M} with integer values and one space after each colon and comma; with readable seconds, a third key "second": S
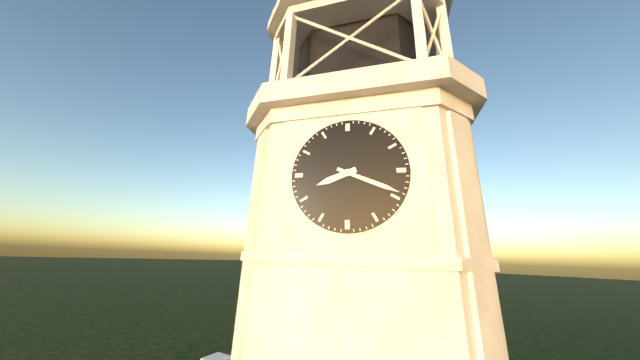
{"hour": 8, "minute": 19}
